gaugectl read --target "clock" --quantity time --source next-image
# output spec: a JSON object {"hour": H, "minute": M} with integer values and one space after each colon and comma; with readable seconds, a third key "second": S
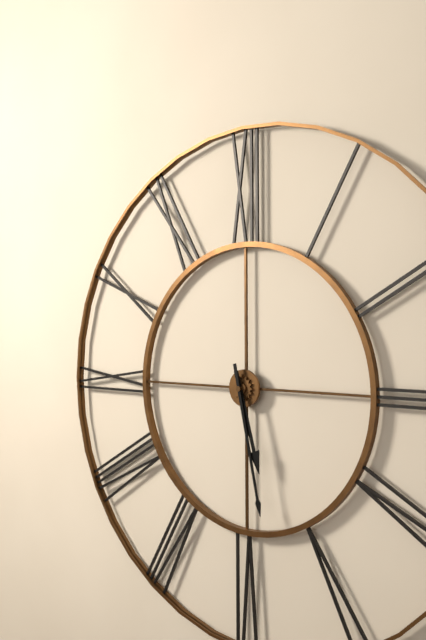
{"hour": 5, "minute": 28}
